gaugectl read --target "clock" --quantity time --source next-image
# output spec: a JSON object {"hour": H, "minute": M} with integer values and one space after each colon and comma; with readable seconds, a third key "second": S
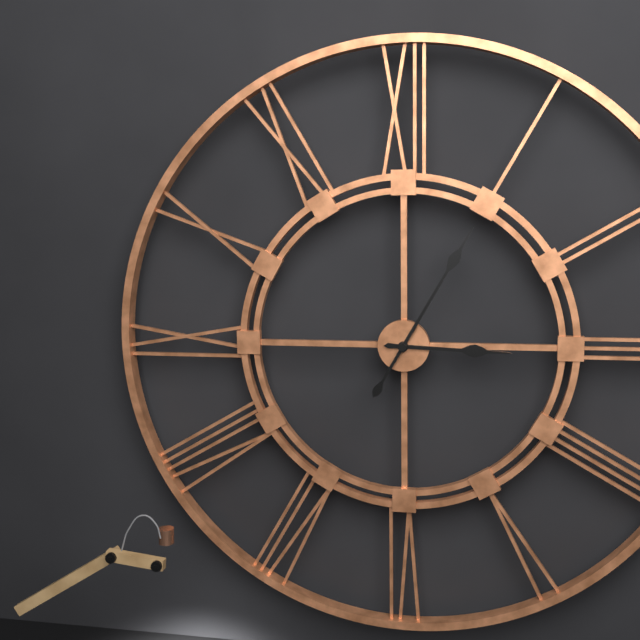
{"hour": 3, "minute": 5}
